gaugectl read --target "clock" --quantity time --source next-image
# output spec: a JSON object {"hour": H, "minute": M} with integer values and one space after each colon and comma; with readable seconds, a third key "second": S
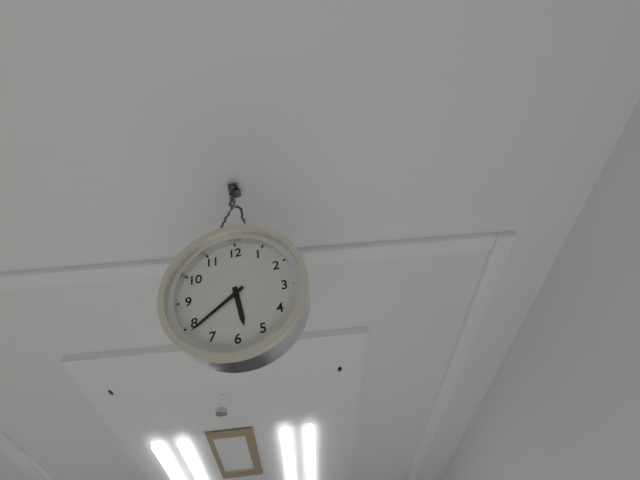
{"hour": 5, "minute": 39}
